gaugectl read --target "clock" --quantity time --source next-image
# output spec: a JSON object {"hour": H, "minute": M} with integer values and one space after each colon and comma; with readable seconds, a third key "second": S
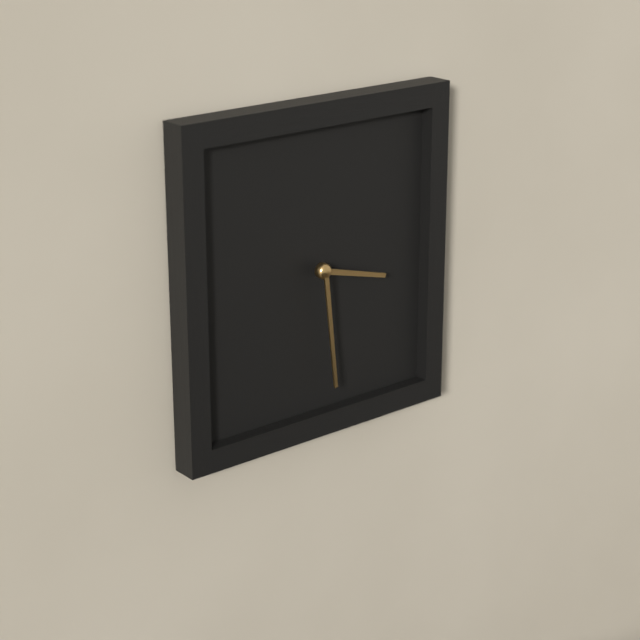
{"hour": 3, "minute": 29}
